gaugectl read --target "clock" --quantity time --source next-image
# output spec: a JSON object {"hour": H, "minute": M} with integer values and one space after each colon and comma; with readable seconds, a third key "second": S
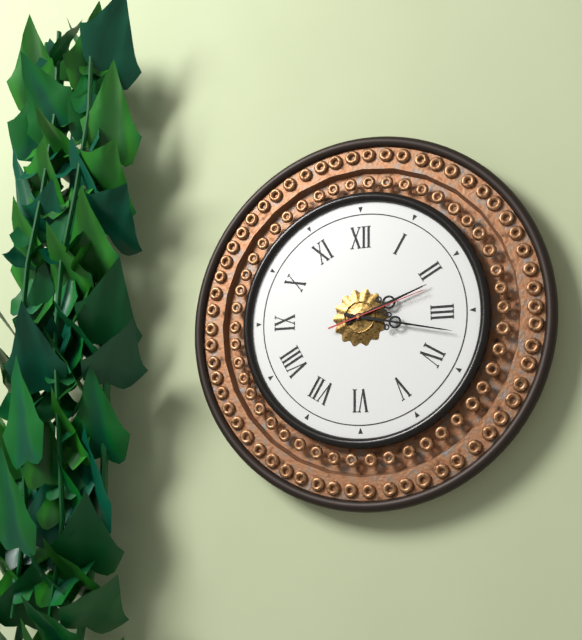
{"hour": 2, "minute": 17, "second": 12}
